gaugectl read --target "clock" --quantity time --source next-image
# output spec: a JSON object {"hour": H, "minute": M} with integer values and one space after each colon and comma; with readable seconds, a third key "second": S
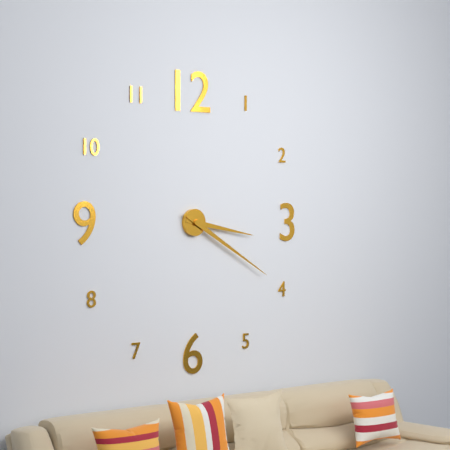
{"hour": 3, "minute": 20}
